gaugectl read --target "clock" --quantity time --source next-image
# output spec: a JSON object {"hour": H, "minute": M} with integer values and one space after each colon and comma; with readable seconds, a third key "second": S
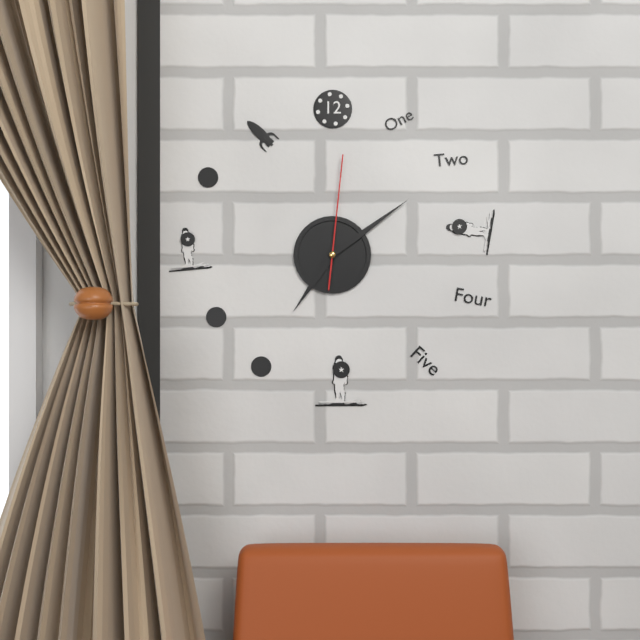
{"hour": 7, "minute": 9, "second": 1}
